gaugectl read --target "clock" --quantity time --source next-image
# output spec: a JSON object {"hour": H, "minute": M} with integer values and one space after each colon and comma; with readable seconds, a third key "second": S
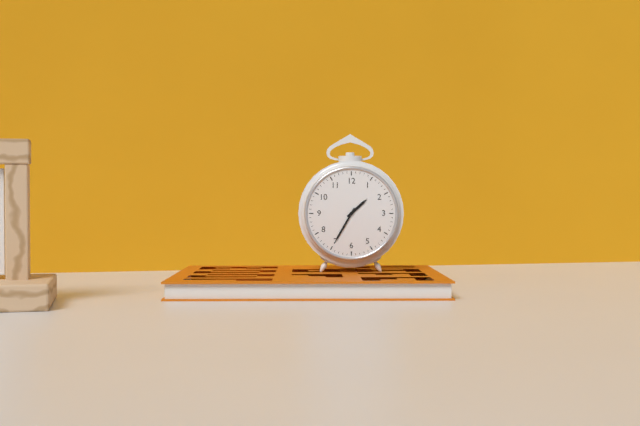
{"hour": 1, "minute": 35}
